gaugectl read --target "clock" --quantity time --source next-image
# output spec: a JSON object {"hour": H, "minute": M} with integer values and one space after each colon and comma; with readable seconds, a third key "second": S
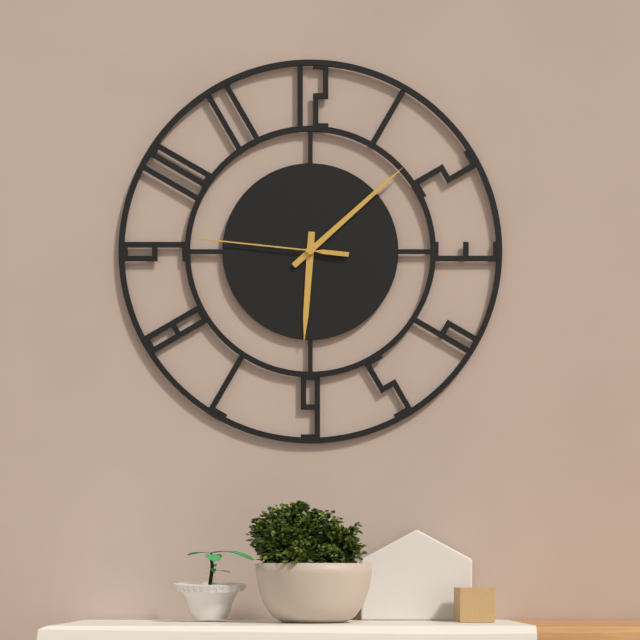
{"hour": 6, "minute": 8, "second": 46}
